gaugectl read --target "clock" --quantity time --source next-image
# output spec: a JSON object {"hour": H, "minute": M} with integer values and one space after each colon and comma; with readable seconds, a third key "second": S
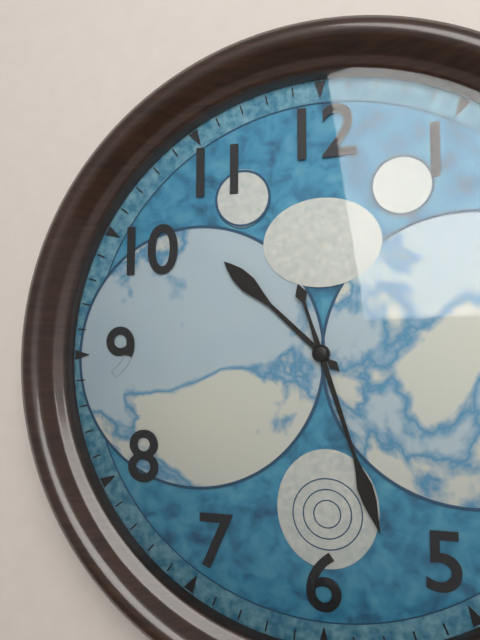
{"hour": 10, "minute": 27}
